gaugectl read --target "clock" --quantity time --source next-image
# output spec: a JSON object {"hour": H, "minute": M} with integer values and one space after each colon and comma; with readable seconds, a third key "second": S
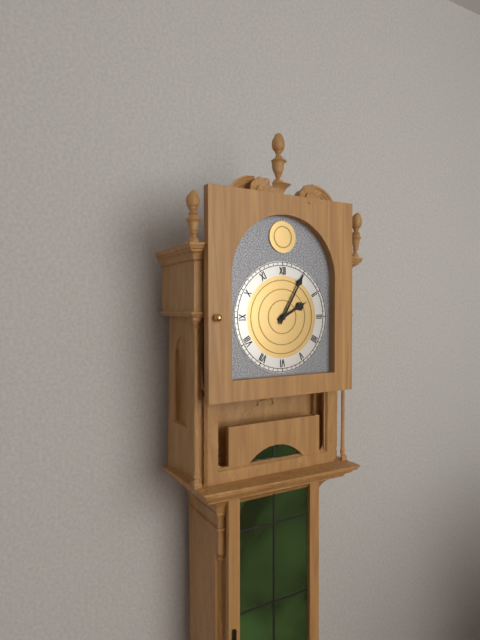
{"hour": 2, "minute": 5}
